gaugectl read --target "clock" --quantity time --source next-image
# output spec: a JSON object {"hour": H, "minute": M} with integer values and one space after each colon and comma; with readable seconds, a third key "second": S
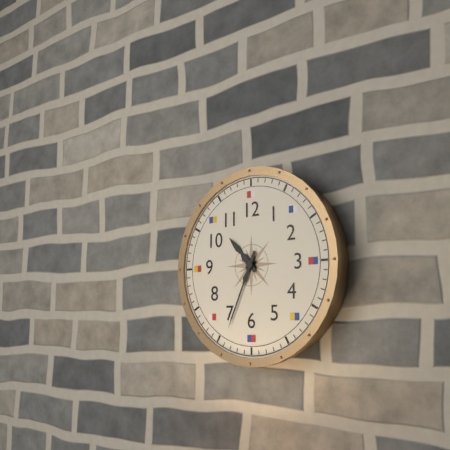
{"hour": 10, "minute": 34}
